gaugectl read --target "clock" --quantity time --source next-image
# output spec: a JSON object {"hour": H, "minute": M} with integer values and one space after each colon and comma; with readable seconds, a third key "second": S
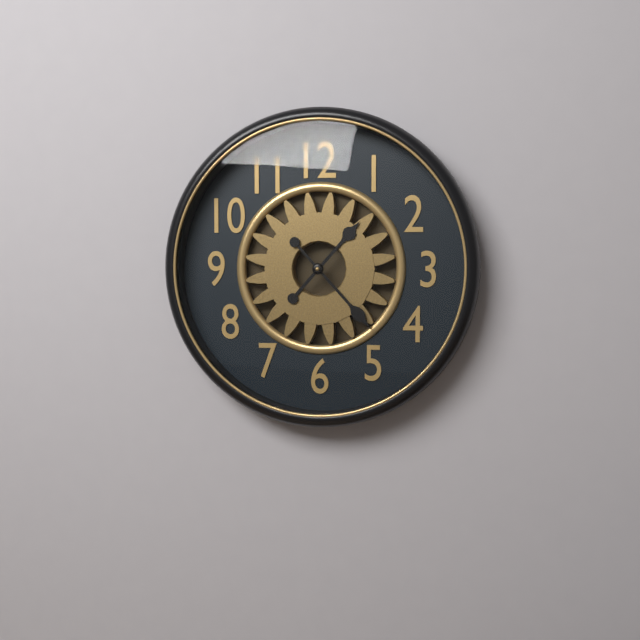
{"hour": 1, "minute": 23}
